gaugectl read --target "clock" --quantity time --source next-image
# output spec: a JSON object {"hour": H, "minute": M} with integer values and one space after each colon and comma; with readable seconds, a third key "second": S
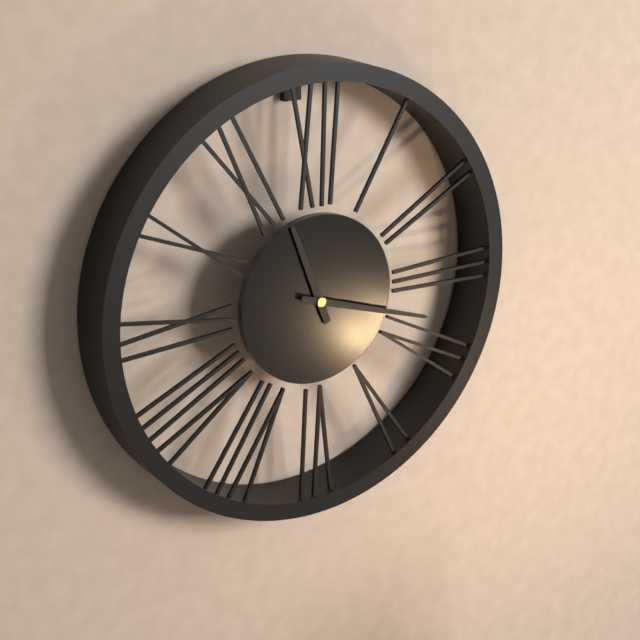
{"hour": 11, "minute": 18}
